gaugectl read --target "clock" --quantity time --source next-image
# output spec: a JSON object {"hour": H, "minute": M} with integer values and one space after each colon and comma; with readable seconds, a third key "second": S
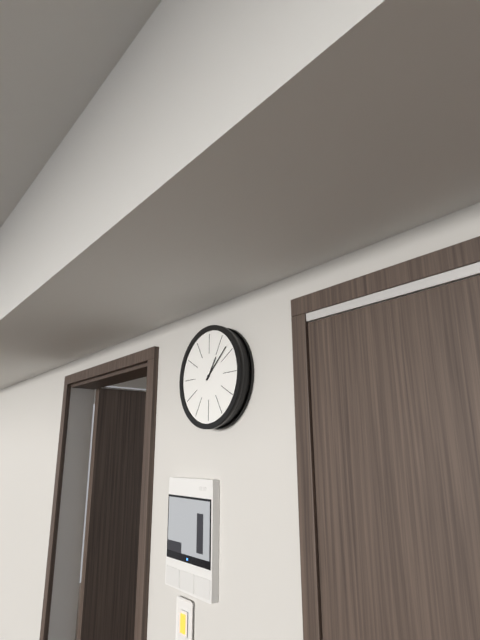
{"hour": 1, "minute": 8}
